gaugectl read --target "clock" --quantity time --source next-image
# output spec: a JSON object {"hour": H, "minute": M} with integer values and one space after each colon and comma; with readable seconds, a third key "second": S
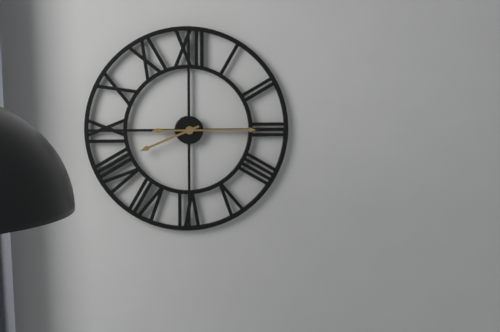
{"hour": 8, "minute": 15}
